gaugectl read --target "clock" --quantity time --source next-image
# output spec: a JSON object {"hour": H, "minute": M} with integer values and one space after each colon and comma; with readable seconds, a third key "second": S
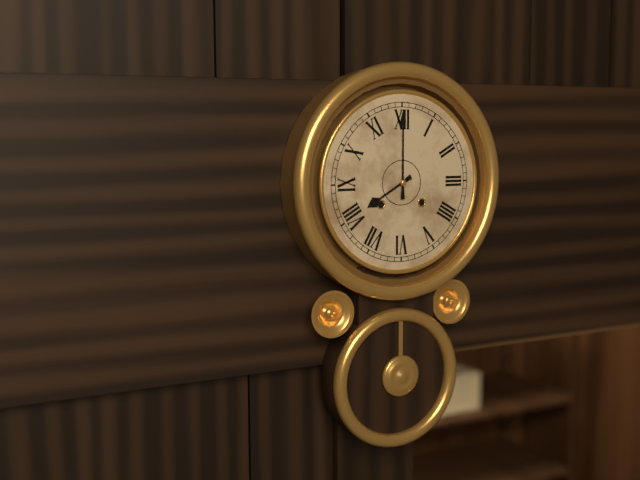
{"hour": 8, "minute": 0}
